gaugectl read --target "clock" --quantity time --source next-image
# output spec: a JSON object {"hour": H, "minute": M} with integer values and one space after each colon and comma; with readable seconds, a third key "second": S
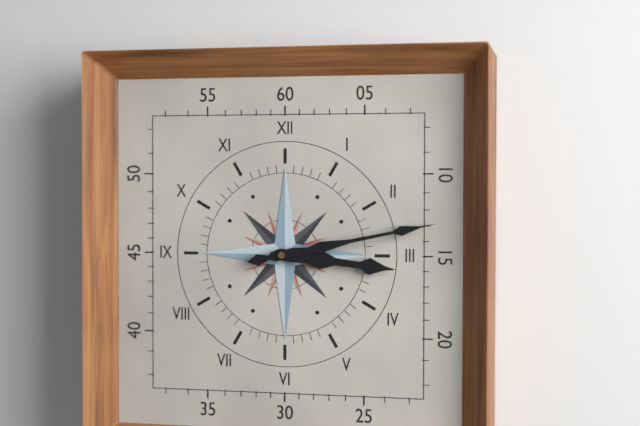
{"hour": 3, "minute": 13}
